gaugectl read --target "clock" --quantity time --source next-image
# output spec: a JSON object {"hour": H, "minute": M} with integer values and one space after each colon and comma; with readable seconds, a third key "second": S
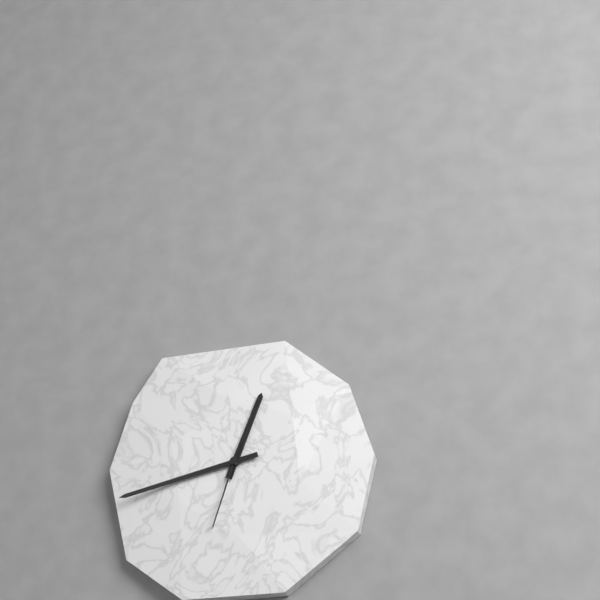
{"hour": 12, "minute": 43, "second": 33}
